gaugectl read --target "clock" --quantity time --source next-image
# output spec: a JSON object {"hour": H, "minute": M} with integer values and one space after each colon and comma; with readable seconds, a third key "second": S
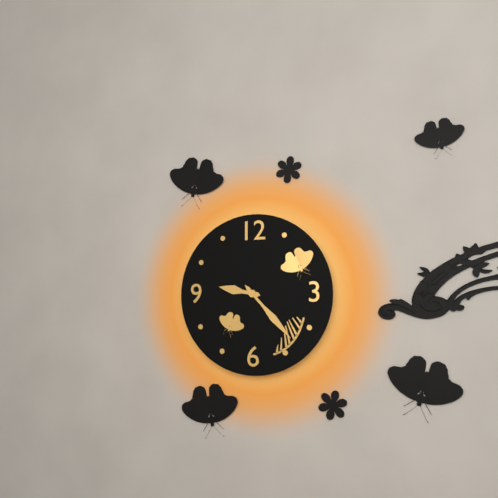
{"hour": 9, "minute": 23}
